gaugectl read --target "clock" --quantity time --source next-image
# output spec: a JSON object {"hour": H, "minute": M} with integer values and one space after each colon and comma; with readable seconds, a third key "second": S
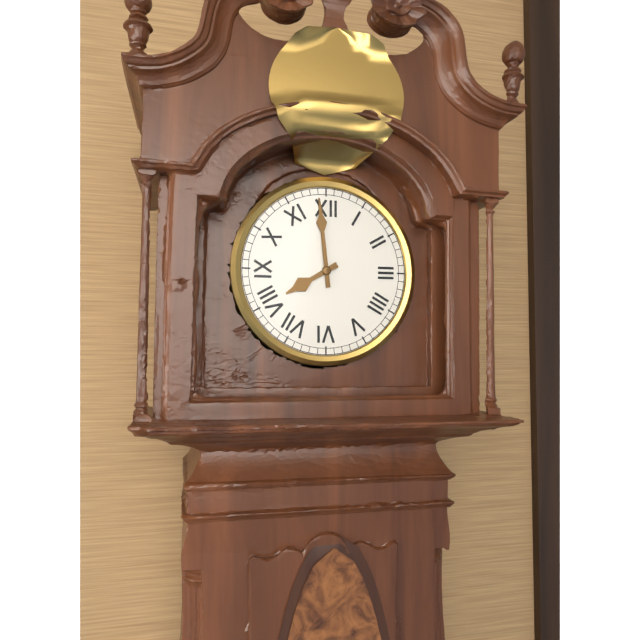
{"hour": 7, "minute": 59}
